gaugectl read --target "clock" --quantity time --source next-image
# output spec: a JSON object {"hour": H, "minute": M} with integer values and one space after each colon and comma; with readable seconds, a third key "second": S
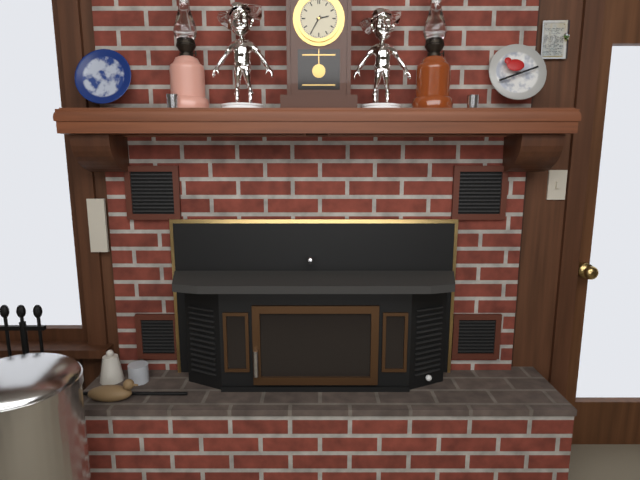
{"hour": 2, "minute": 35}
